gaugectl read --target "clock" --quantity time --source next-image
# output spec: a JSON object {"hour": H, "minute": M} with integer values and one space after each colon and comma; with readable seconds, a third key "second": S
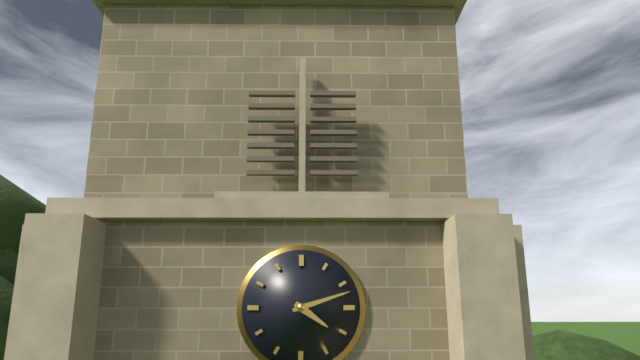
{"hour": 4, "minute": 12}
